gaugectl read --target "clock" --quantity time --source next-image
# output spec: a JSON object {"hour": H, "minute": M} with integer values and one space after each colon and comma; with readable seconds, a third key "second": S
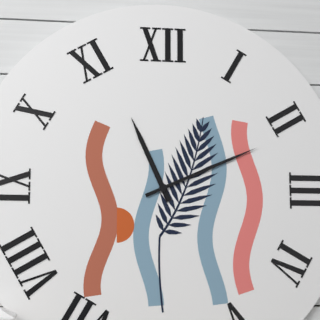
{"hour": 11, "minute": 11}
